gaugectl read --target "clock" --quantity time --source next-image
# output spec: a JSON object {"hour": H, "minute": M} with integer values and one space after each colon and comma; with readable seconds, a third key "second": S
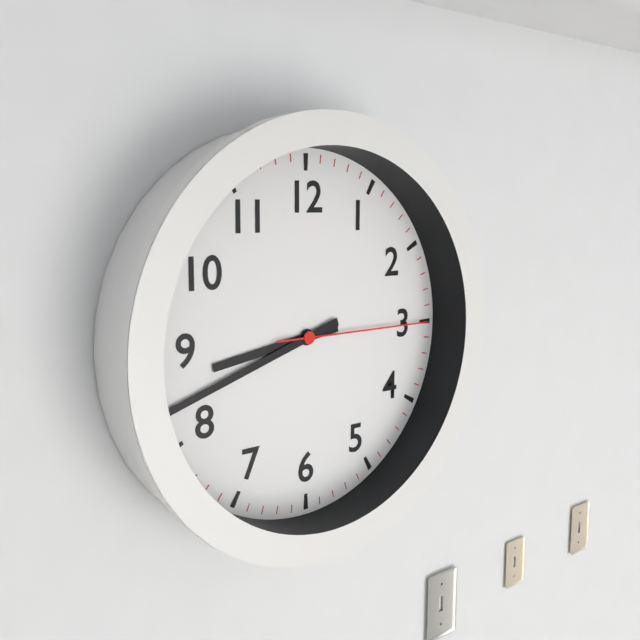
{"hour": 8, "minute": 42, "second": 15}
